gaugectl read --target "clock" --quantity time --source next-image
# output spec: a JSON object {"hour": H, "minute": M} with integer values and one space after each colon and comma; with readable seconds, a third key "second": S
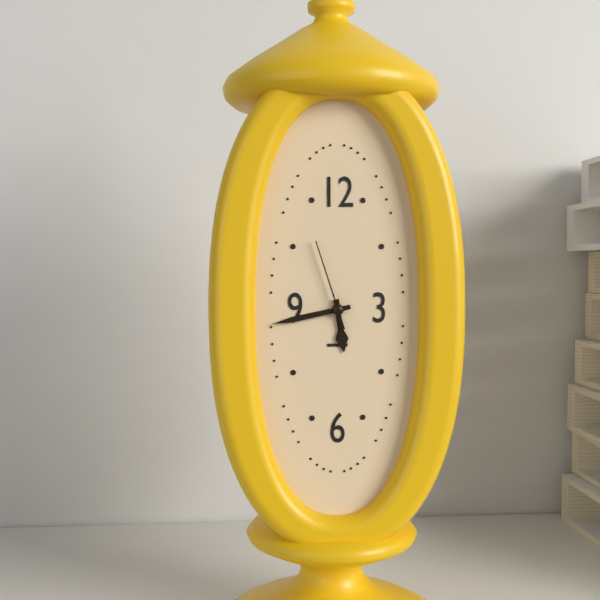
{"hour": 5, "minute": 43, "second": 57}
